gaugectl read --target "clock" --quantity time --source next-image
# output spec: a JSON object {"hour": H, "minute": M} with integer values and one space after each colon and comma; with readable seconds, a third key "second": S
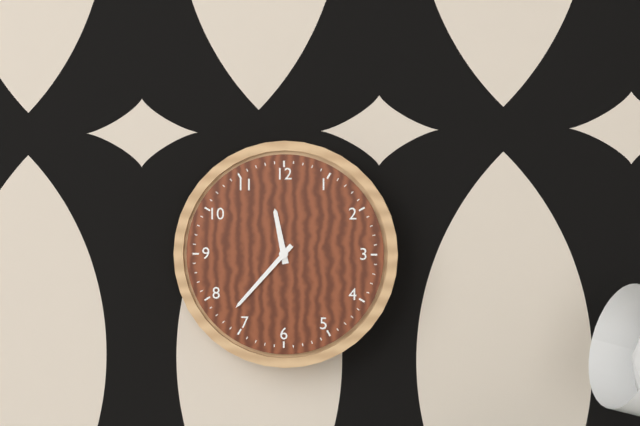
{"hour": 11, "minute": 37}
